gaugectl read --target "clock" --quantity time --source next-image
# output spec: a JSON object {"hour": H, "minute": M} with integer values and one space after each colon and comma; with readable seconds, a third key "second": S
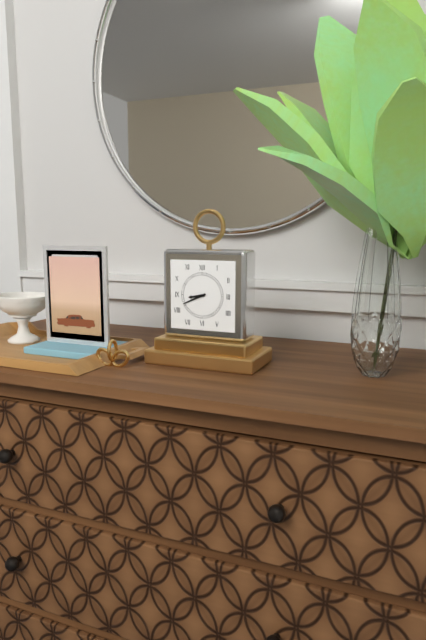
{"hour": 8, "minute": 41}
